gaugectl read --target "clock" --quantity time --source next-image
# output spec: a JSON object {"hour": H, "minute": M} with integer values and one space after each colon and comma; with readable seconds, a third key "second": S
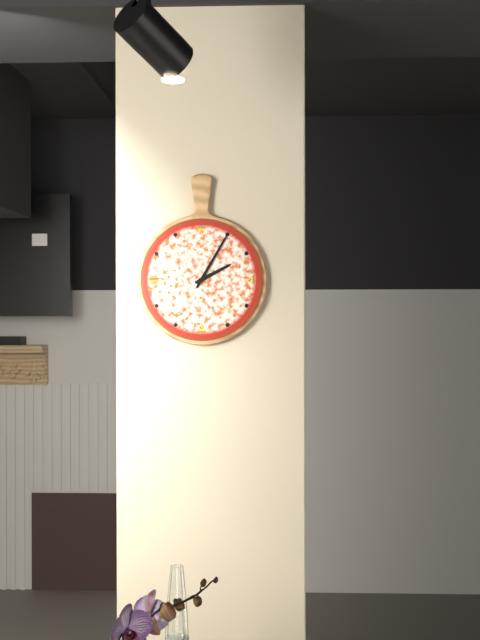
{"hour": 2, "minute": 5}
